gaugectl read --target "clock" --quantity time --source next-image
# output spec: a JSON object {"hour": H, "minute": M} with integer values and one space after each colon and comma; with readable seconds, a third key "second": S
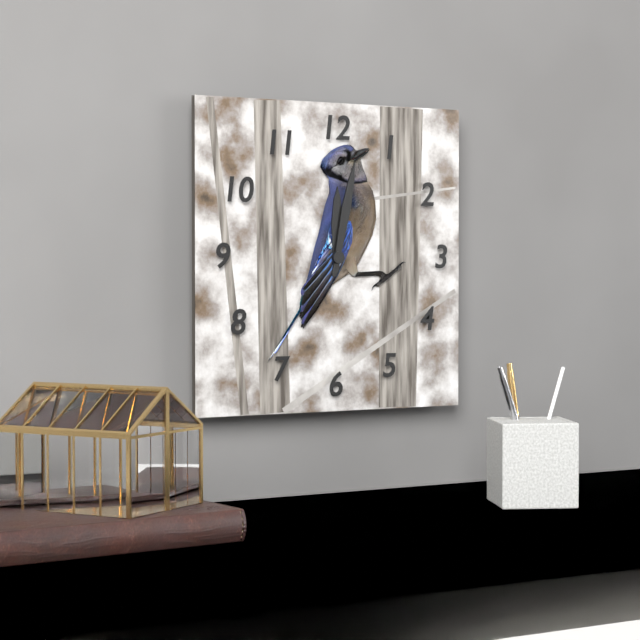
{"hour": 12, "minute": 2}
